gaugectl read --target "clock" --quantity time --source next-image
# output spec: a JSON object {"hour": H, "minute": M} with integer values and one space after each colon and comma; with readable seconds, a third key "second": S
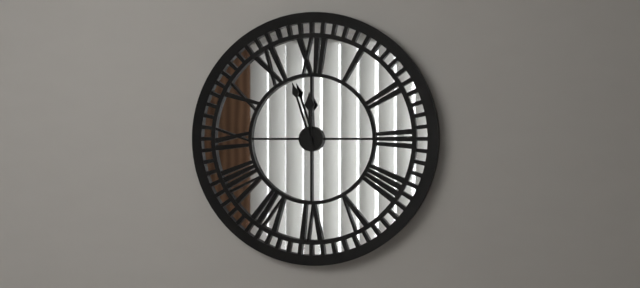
{"hour": 11, "minute": 57}
